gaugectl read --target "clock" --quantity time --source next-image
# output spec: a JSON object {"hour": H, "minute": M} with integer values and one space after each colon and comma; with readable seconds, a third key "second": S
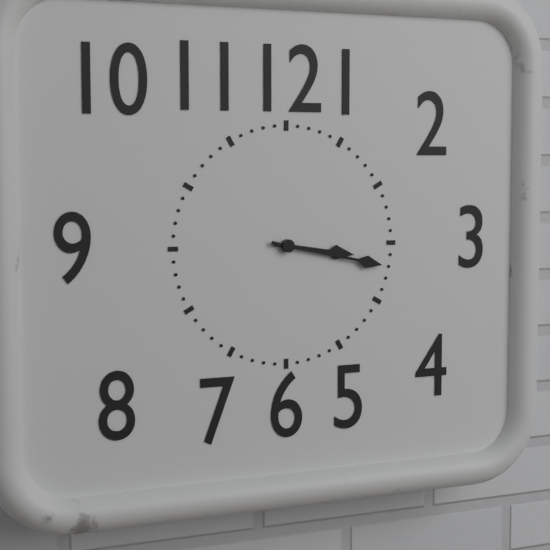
{"hour": 3, "minute": 17}
